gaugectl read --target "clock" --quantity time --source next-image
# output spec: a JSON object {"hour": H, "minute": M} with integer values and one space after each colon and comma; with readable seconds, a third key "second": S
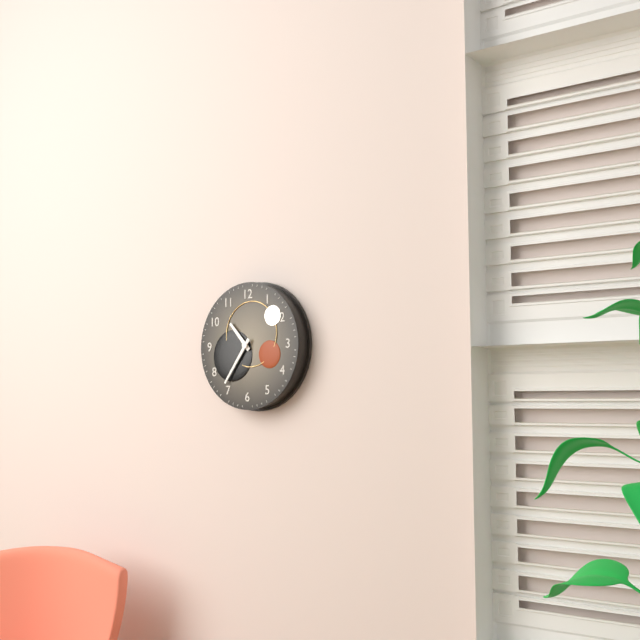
{"hour": 10, "minute": 36}
